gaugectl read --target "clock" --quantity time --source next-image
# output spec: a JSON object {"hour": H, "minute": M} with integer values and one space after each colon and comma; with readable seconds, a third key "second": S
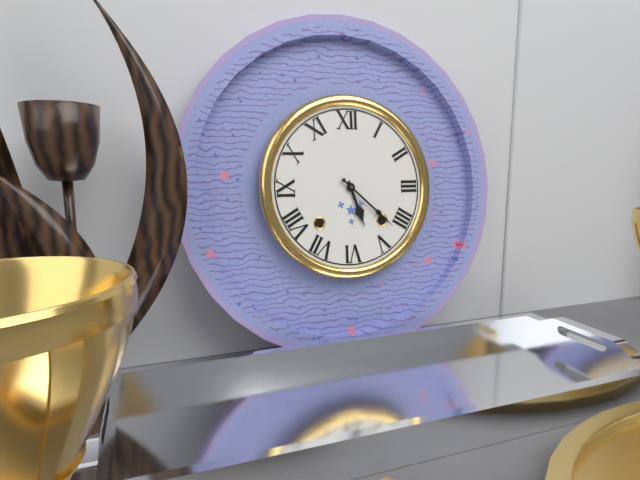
{"hour": 5, "minute": 22}
